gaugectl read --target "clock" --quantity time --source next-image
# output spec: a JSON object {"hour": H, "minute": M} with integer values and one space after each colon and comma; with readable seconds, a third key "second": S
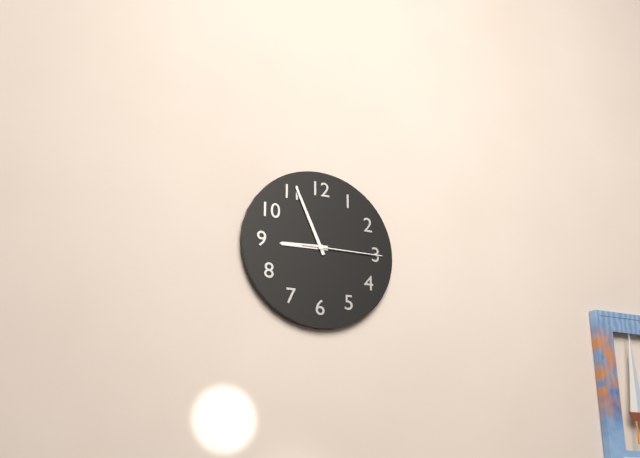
{"hour": 8, "minute": 56, "second": 15}
